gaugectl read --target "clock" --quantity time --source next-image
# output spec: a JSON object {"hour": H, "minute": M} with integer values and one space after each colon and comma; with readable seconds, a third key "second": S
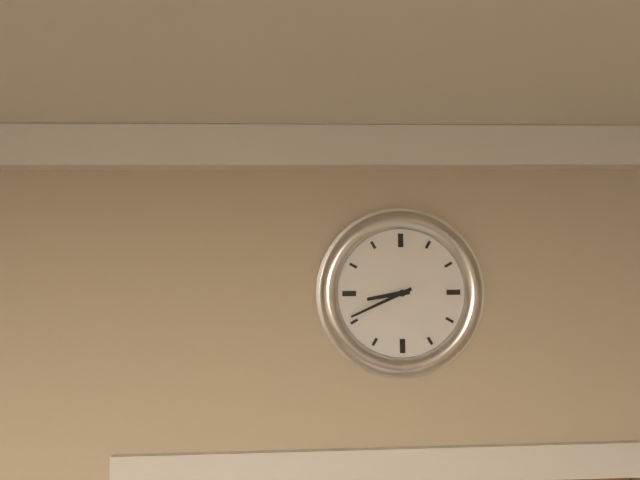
{"hour": 8, "minute": 41}
